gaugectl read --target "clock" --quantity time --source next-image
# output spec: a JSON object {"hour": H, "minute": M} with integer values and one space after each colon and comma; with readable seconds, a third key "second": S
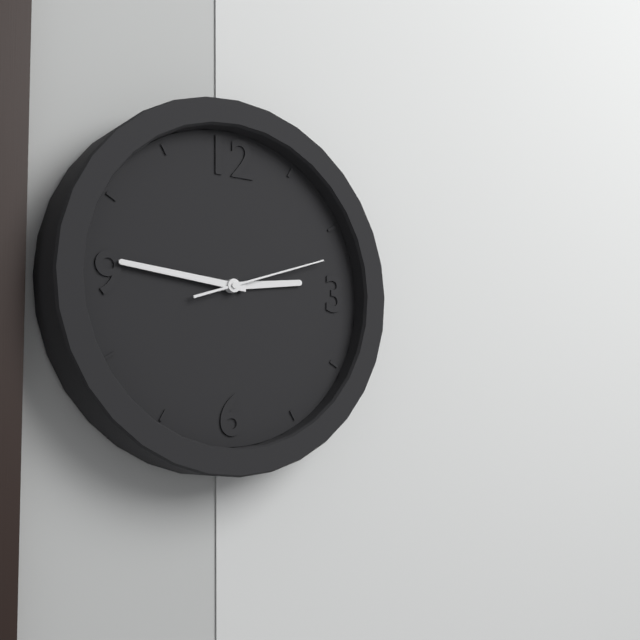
{"hour": 2, "minute": 46, "second": 12}
